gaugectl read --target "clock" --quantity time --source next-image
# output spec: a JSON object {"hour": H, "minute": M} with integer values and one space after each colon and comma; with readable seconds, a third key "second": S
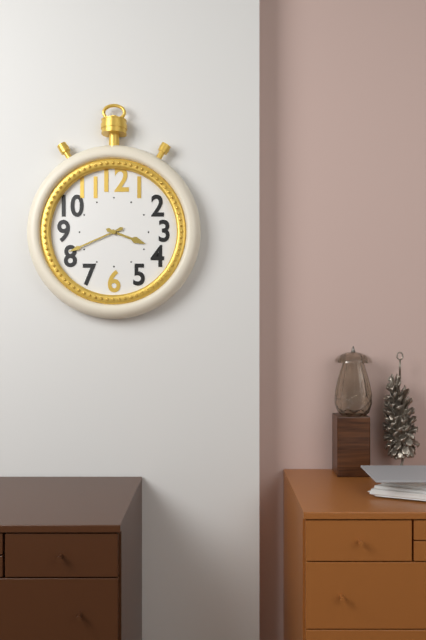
{"hour": 3, "minute": 41}
